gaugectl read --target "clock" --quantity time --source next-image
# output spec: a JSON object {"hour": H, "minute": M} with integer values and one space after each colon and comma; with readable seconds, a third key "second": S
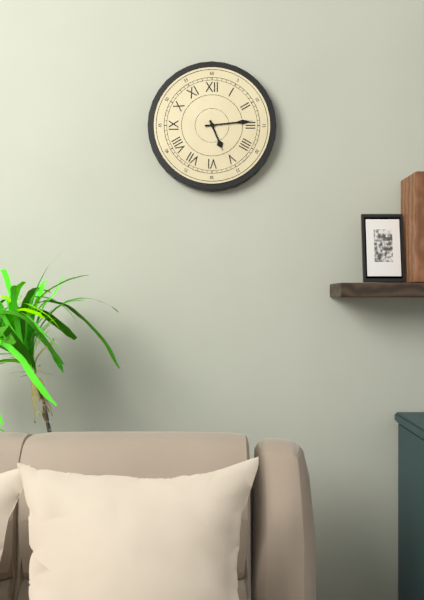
{"hour": 5, "minute": 14}
